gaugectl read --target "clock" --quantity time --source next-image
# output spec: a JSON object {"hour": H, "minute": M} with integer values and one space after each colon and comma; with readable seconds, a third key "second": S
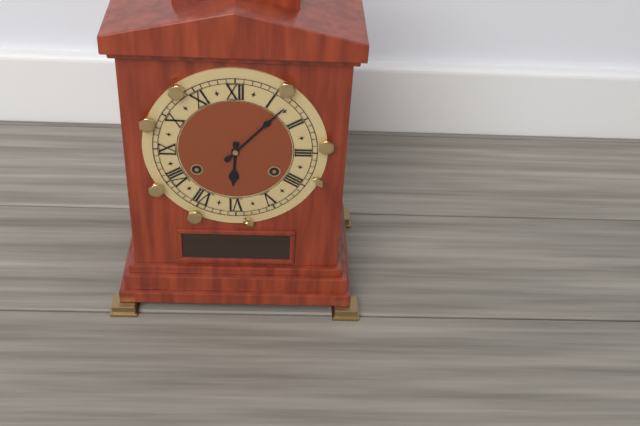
{"hour": 6, "minute": 7}
